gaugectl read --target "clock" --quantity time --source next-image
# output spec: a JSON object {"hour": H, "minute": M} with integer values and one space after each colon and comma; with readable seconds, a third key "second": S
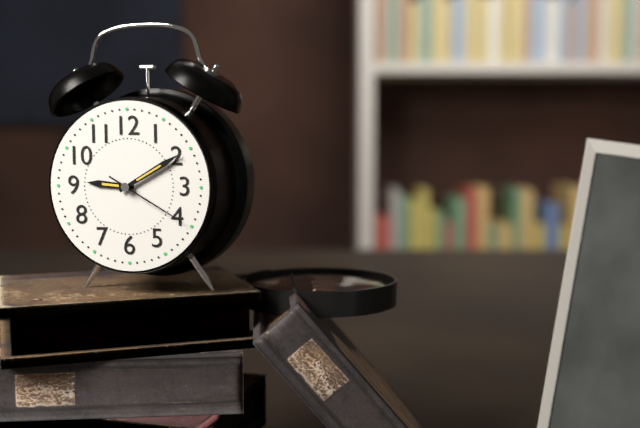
{"hour": 9, "minute": 10, "second": 20}
